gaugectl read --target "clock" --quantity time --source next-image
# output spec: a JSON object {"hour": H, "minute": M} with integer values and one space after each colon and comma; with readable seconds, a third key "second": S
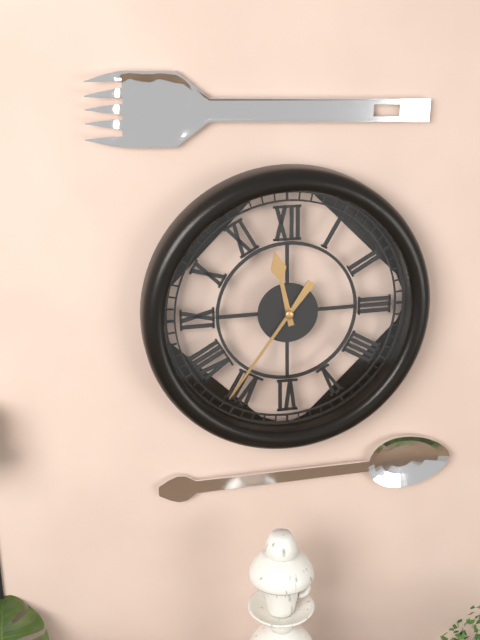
{"hour": 11, "minute": 36}
